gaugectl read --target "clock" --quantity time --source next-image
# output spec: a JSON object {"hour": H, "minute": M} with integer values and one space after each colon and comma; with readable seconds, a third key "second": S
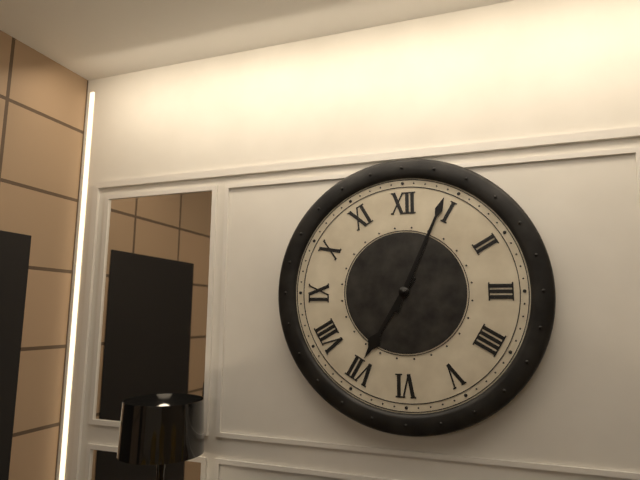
{"hour": 7, "minute": 4}
